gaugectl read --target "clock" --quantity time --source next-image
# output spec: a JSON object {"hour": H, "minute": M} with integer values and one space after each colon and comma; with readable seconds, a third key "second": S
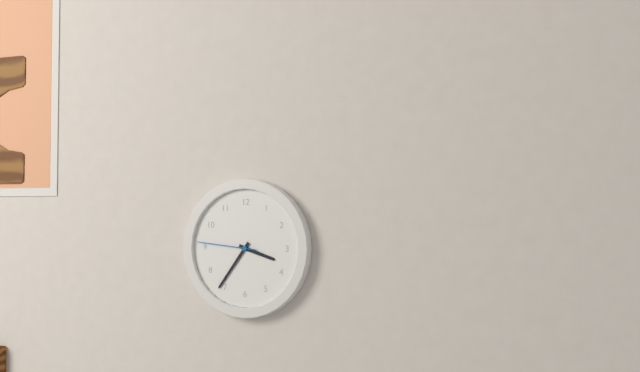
{"hour": 3, "minute": 36, "second": 46}
